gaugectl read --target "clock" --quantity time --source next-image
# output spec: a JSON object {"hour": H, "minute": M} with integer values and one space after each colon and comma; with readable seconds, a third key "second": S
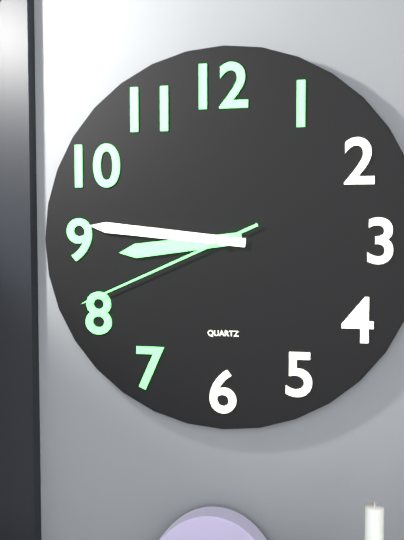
{"hour": 8, "minute": 46, "second": 41}
